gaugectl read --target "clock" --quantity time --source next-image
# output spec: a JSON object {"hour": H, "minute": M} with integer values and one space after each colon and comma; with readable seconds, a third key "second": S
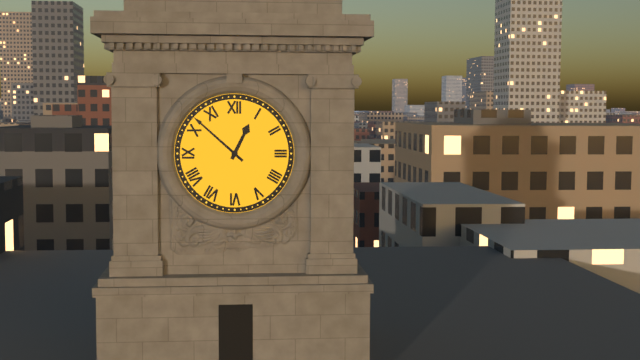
{"hour": 12, "minute": 52}
